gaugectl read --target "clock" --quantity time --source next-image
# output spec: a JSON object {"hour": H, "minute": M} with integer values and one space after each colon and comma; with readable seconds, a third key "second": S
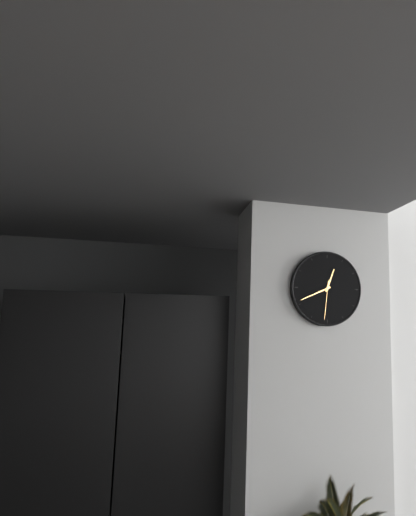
{"hour": 12, "minute": 41}
